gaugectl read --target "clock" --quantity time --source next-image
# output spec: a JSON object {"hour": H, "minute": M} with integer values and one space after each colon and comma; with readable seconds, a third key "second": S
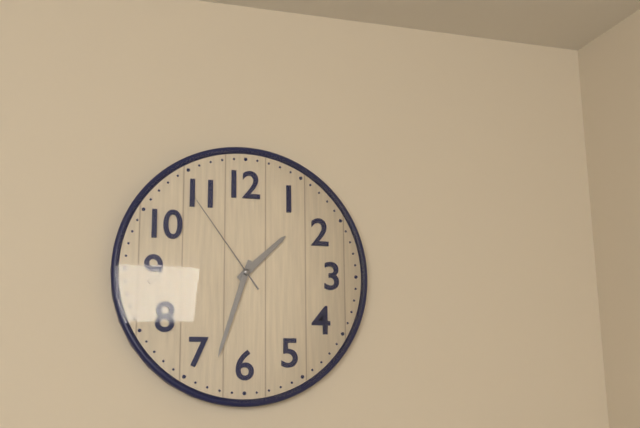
{"hour": 1, "minute": 33, "second": 54}
